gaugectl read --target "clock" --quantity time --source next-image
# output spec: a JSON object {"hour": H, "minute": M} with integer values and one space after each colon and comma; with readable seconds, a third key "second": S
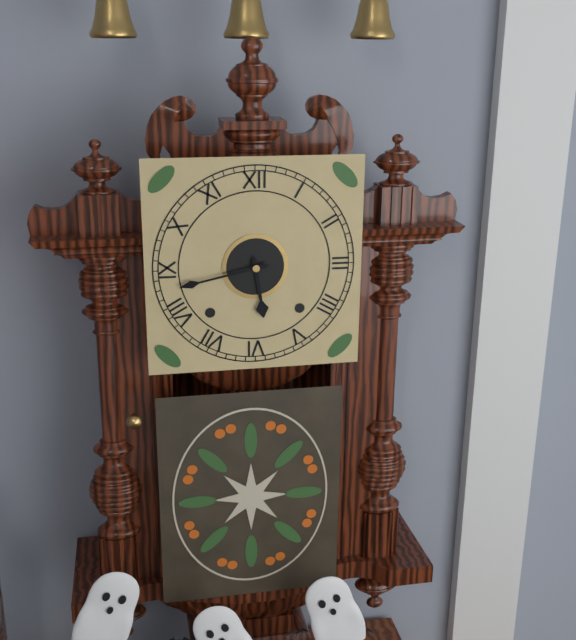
{"hour": 5, "minute": 43}
